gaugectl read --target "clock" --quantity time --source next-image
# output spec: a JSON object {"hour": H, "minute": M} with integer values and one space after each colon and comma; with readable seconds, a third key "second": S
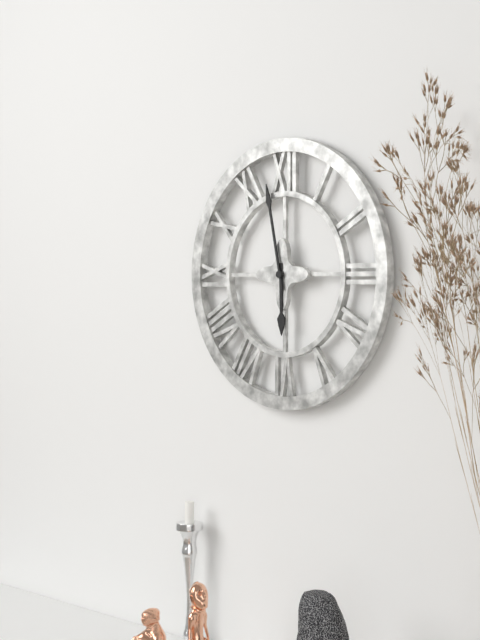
{"hour": 5, "minute": 58}
